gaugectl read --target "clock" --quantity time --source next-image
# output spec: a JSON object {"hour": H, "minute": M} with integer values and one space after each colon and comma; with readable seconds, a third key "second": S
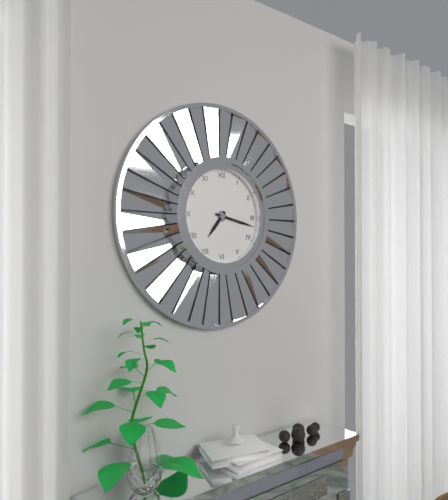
{"hour": 7, "minute": 17}
